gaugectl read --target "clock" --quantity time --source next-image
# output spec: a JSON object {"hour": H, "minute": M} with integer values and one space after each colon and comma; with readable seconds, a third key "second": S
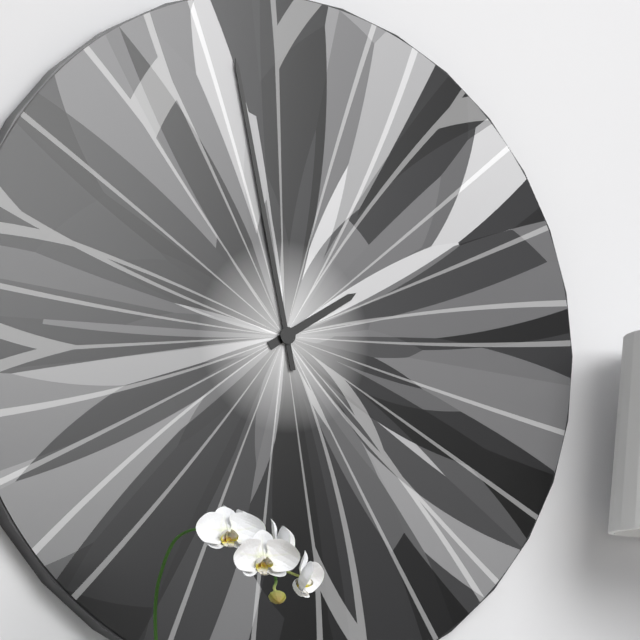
{"hour": 1, "minute": 58}
